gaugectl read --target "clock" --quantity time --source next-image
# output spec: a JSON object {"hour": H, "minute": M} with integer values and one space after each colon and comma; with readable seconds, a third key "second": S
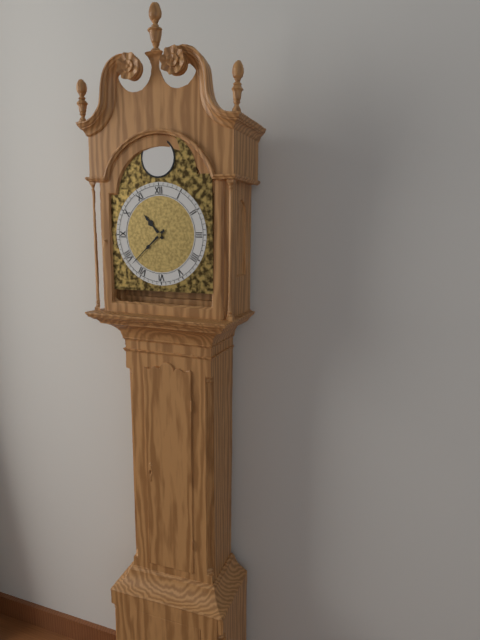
{"hour": 10, "minute": 38}
